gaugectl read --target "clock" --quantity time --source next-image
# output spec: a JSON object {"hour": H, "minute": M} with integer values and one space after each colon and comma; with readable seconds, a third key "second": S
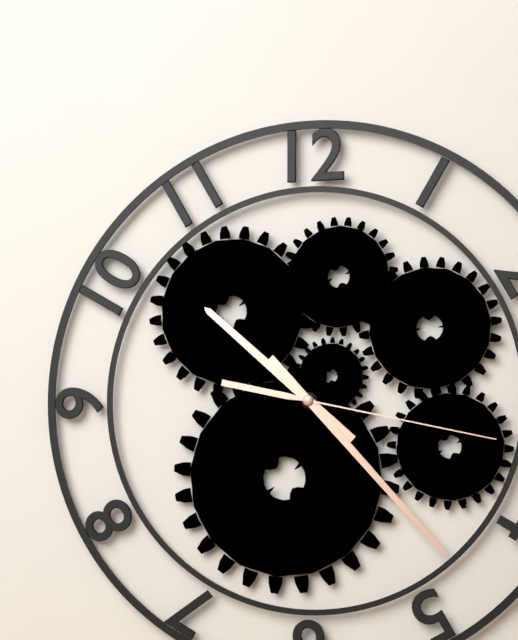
{"hour": 10, "minute": 23, "second": 17}
